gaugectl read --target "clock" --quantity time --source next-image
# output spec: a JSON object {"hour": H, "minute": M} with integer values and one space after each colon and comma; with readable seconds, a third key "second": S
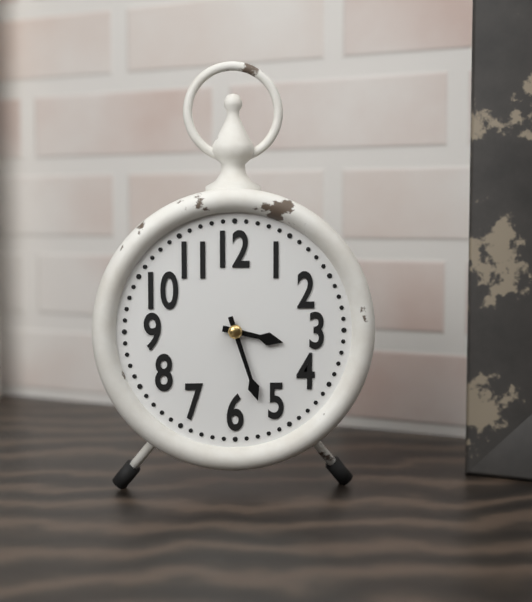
{"hour": 3, "minute": 27}
